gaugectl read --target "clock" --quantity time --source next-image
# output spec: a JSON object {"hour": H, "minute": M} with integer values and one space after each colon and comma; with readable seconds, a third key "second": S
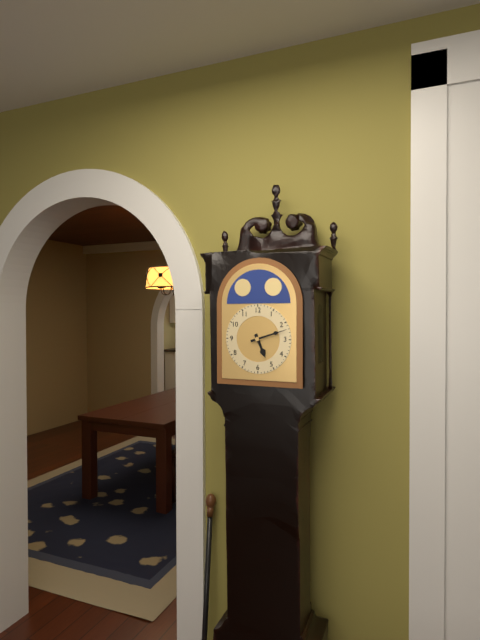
{"hour": 5, "minute": 12}
